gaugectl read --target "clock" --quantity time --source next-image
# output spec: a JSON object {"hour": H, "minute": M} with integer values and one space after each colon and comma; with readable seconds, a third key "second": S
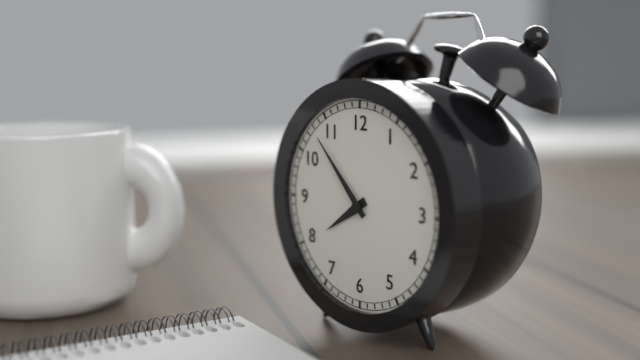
{"hour": 7, "minute": 53}
